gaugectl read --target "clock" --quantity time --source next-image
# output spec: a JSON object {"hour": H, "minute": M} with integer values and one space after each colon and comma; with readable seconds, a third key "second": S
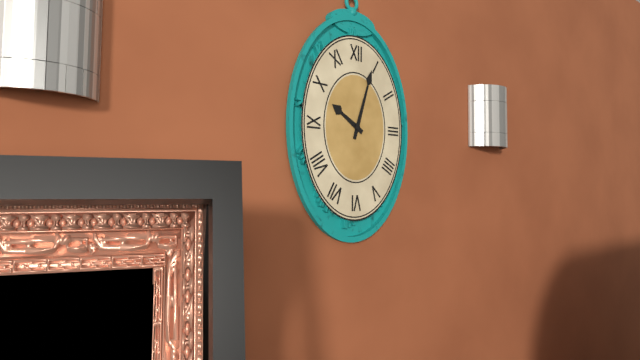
{"hour": 10, "minute": 3}
